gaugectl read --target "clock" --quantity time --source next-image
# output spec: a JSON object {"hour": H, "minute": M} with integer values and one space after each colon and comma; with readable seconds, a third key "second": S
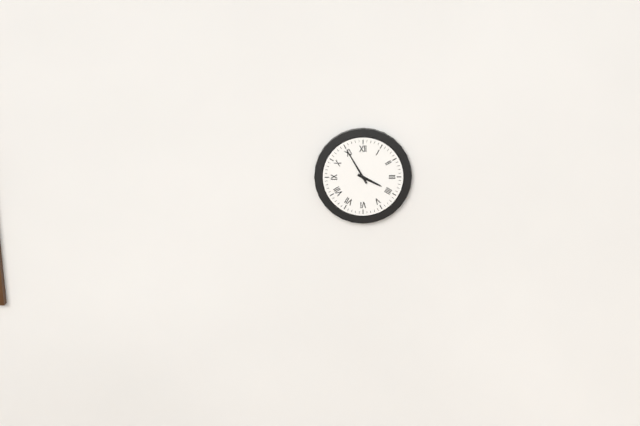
{"hour": 3, "minute": 55}
